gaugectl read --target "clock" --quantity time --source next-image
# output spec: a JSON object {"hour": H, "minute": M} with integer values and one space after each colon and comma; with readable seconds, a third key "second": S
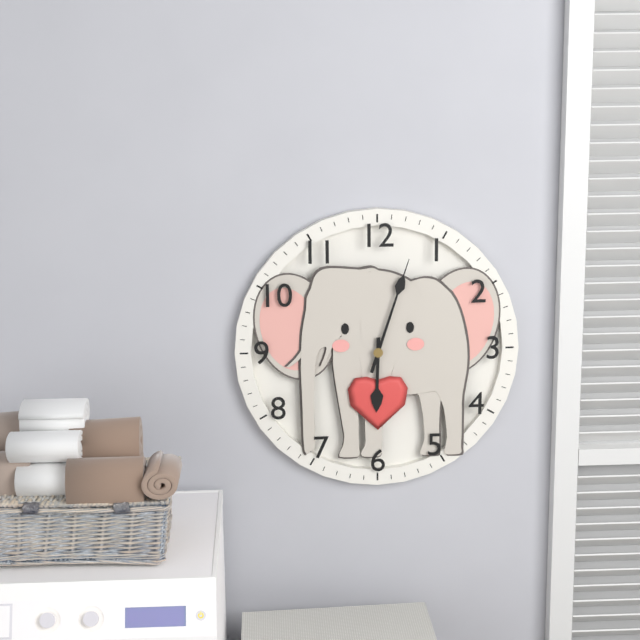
{"hour": 6, "minute": 3}
